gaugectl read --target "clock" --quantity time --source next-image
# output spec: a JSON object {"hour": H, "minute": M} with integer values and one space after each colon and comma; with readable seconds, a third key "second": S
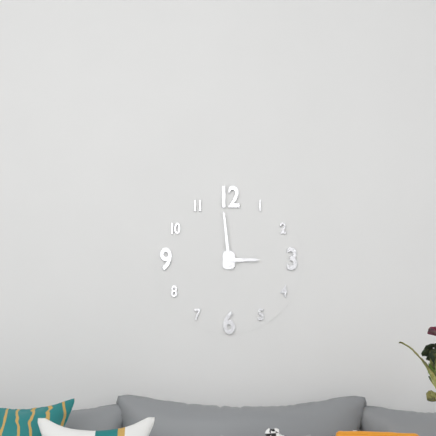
{"hour": 2, "minute": 59}
